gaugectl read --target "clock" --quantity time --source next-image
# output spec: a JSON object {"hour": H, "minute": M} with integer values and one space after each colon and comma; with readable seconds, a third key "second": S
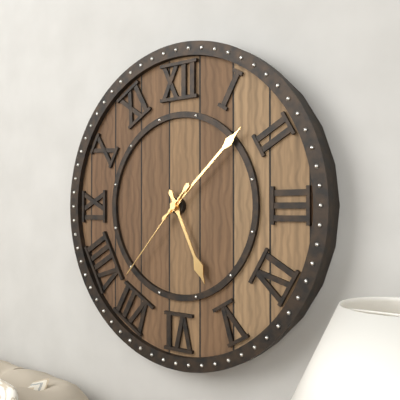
{"hour": 5, "minute": 8, "second": 37}
